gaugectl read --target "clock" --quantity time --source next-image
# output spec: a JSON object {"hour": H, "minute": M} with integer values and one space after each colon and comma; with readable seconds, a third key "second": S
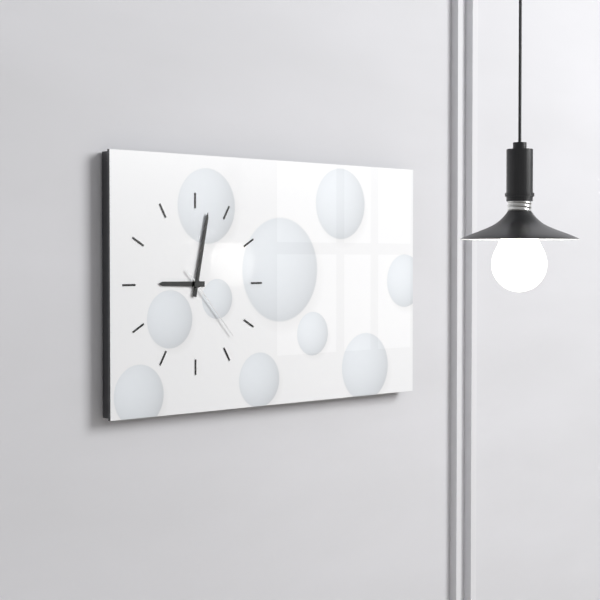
{"hour": 9, "minute": 2, "second": 23}
